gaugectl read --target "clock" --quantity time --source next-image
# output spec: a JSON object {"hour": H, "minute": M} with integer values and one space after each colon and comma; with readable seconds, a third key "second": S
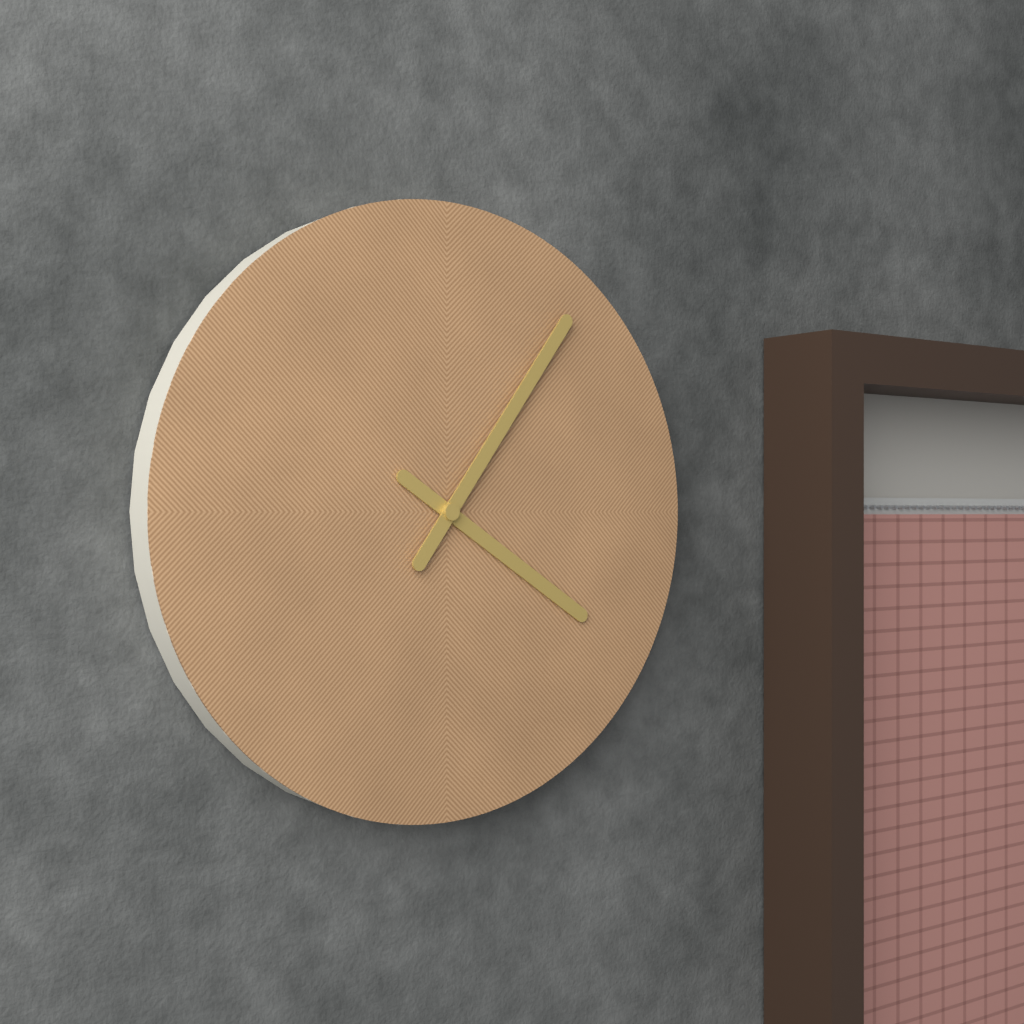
{"hour": 4, "minute": 6}
